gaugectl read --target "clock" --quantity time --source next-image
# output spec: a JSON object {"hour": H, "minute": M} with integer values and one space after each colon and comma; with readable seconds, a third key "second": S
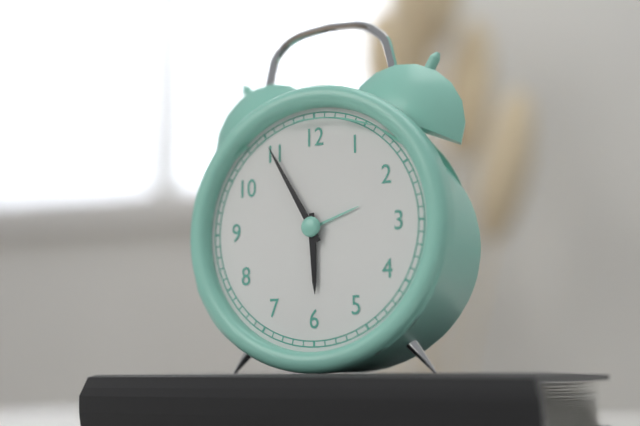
{"hour": 5, "minute": 55}
